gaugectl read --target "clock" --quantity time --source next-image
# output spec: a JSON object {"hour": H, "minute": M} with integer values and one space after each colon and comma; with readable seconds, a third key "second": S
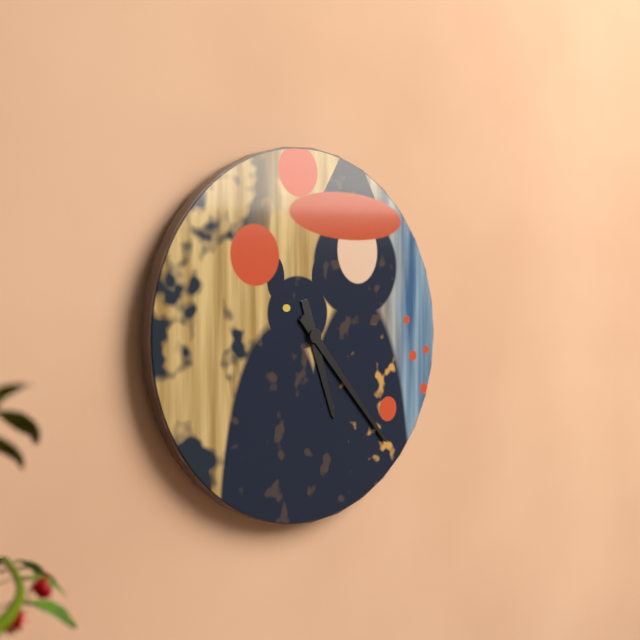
{"hour": 5, "minute": 23}
